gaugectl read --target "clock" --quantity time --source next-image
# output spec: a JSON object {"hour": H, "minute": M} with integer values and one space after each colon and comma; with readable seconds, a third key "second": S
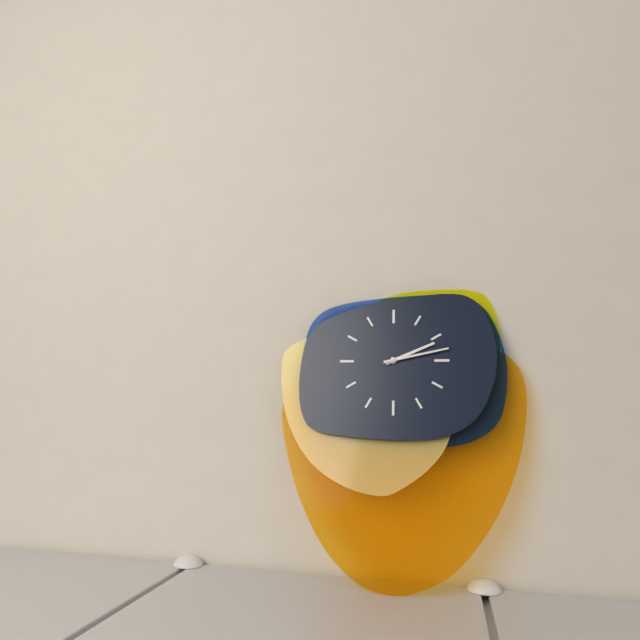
{"hour": 2, "minute": 13}
